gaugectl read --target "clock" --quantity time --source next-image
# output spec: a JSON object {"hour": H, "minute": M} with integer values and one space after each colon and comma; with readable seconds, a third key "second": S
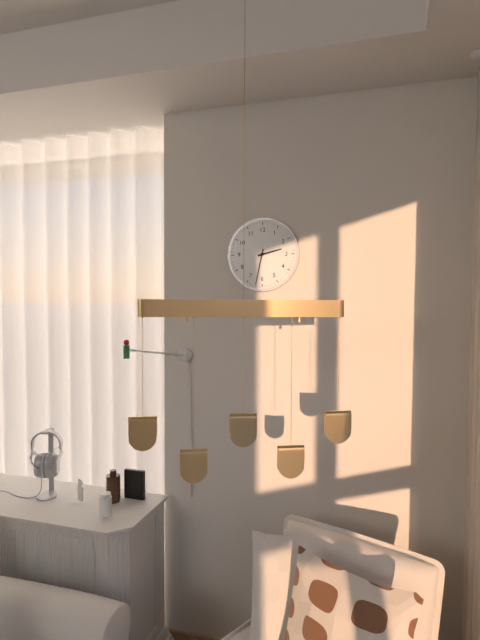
{"hour": 2, "minute": 32}
